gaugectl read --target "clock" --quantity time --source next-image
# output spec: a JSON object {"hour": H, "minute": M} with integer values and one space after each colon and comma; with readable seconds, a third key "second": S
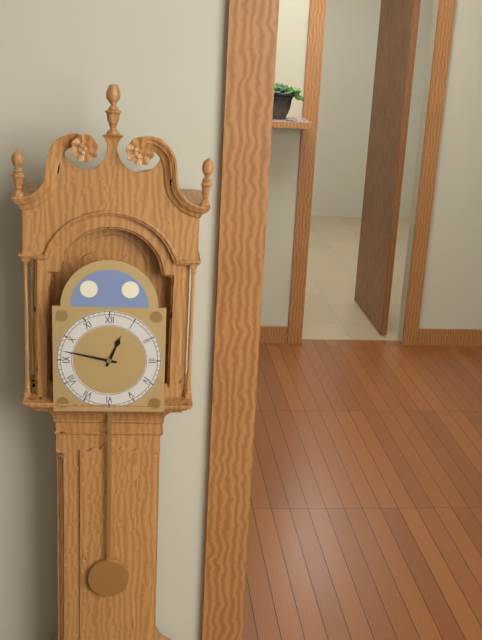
{"hour": 12, "minute": 47}
